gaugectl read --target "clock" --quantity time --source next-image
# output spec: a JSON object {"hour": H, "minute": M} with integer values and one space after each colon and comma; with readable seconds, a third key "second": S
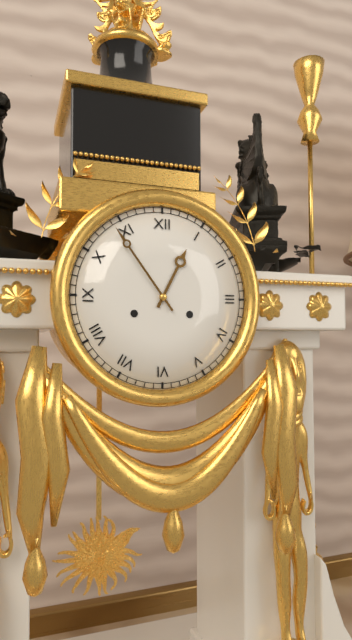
{"hour": 12, "minute": 54}
